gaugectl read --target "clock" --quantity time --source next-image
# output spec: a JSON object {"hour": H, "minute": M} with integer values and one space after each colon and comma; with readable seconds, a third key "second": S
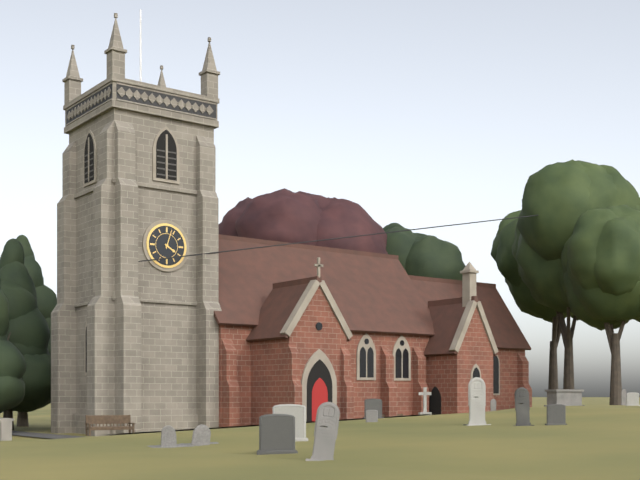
{"hour": 4, "minute": 3}
